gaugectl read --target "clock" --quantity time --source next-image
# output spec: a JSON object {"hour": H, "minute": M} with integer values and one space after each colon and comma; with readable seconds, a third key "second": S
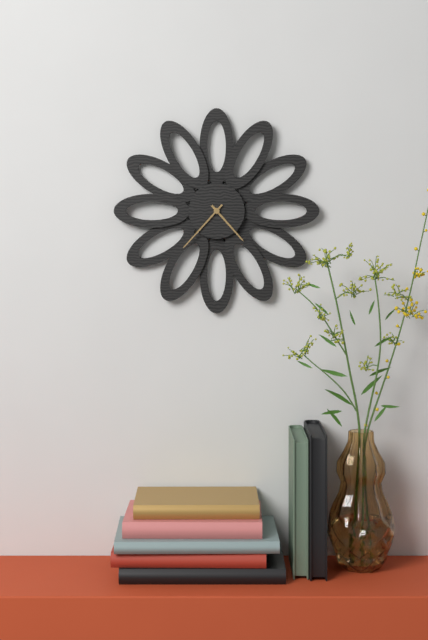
{"hour": 4, "minute": 37}
